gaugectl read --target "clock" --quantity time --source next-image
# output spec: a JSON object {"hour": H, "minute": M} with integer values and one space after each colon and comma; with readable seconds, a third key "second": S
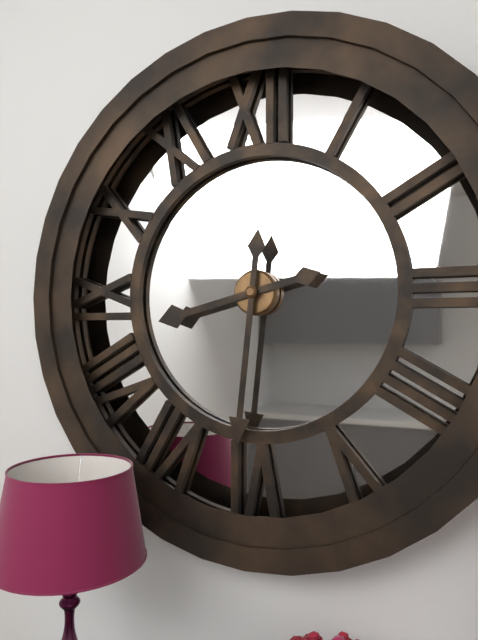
{"hour": 8, "minute": 31}
